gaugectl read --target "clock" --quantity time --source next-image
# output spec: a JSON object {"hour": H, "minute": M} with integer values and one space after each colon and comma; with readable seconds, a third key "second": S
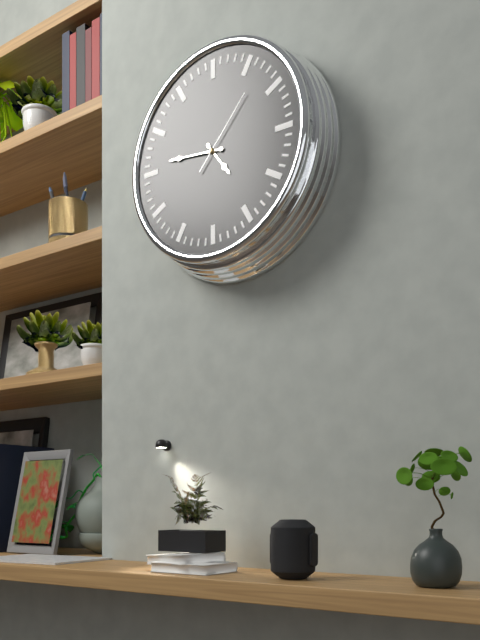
{"hour": 4, "minute": 46, "second": 7}
